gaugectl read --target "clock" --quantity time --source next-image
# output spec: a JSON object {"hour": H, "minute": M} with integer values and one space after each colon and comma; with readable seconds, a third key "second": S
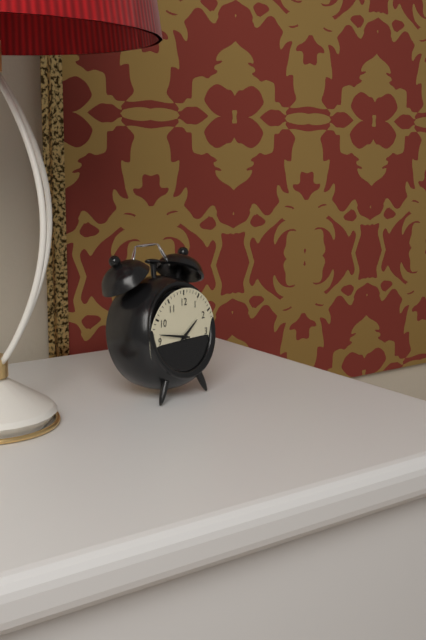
{"hour": 1, "minute": 47}
